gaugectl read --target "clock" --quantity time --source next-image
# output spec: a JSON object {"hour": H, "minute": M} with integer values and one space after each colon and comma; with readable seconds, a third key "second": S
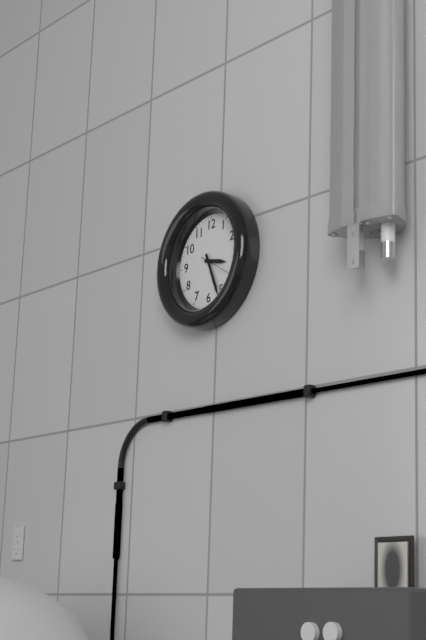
{"hour": 3, "minute": 26}
